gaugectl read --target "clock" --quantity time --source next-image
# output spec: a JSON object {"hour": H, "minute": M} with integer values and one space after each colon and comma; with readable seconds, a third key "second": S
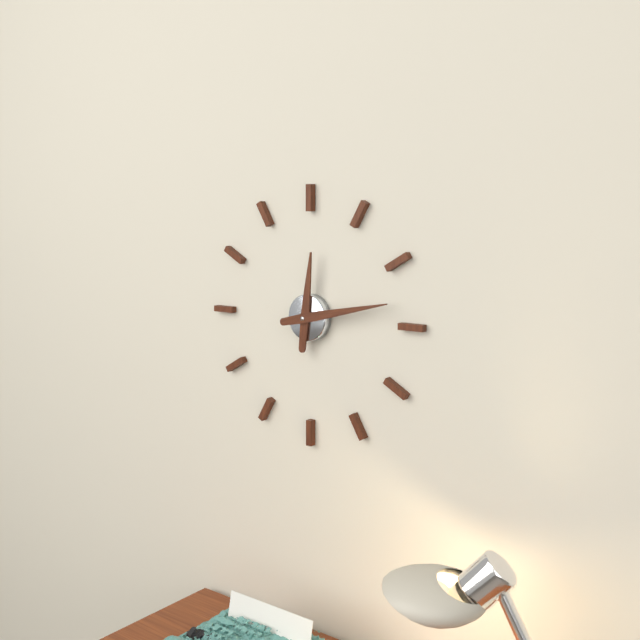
{"hour": 12, "minute": 13}
